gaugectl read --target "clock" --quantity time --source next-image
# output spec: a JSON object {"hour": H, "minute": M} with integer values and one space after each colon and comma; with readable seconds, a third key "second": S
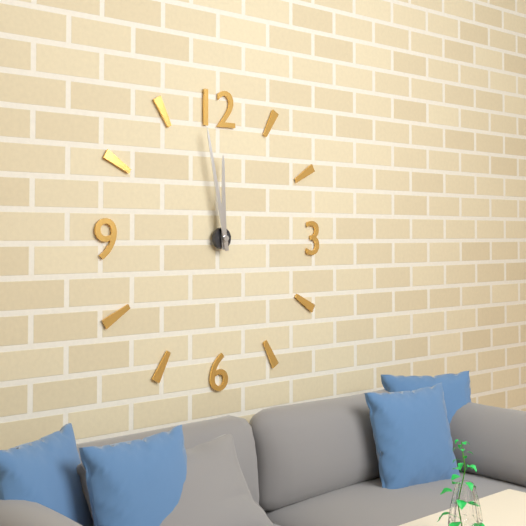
{"hour": 11, "minute": 58}
